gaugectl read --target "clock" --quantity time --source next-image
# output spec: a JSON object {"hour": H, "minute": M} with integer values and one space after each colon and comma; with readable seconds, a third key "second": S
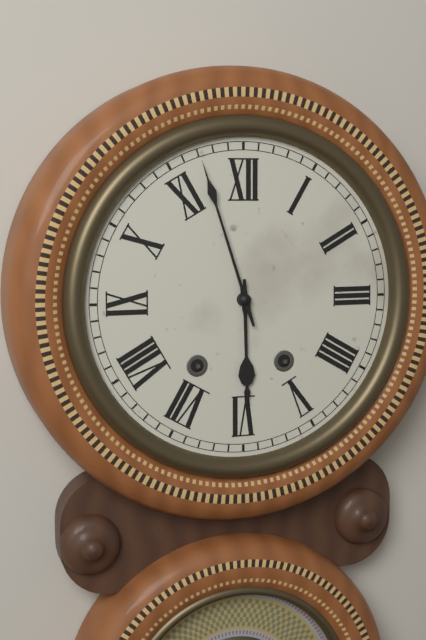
{"hour": 5, "minute": 57}
